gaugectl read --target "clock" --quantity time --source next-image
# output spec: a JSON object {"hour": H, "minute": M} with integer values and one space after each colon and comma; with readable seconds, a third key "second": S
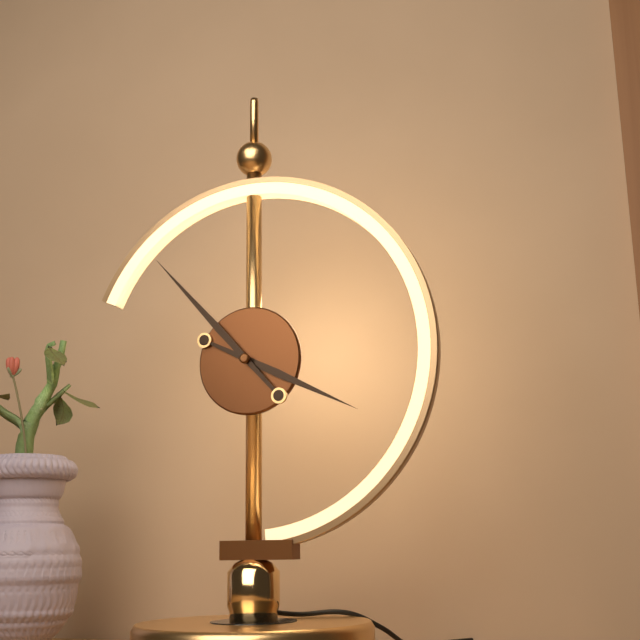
{"hour": 3, "minute": 53}
